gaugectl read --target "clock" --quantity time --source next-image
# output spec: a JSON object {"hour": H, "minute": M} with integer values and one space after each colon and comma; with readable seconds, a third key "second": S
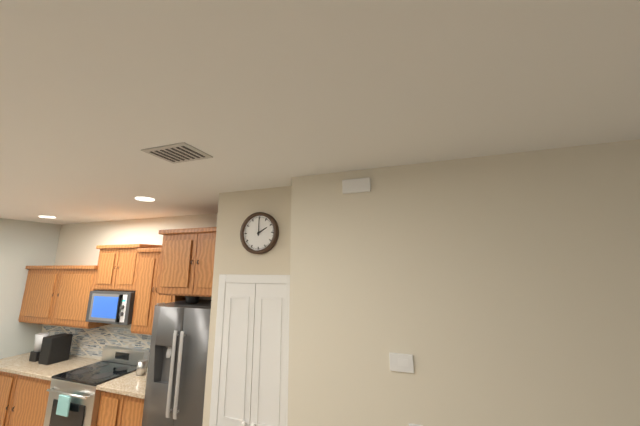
{"hour": 2, "minute": 0}
